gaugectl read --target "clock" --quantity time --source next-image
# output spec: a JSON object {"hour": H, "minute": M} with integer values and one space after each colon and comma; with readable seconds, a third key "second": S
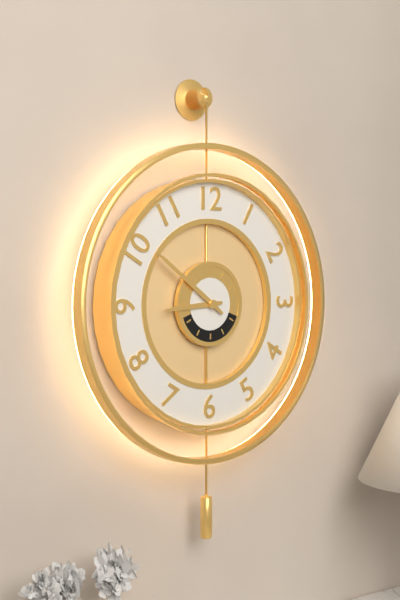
{"hour": 8, "minute": 51}
